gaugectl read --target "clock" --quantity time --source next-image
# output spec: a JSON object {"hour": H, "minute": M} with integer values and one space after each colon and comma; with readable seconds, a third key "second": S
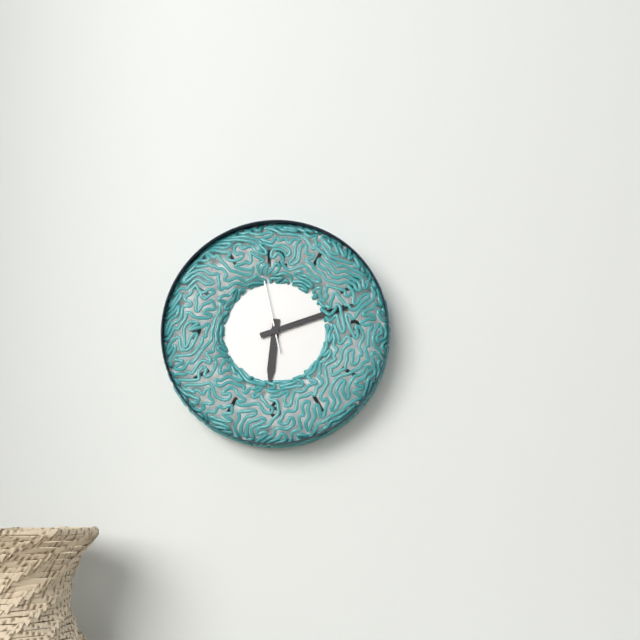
{"hour": 6, "minute": 12}
